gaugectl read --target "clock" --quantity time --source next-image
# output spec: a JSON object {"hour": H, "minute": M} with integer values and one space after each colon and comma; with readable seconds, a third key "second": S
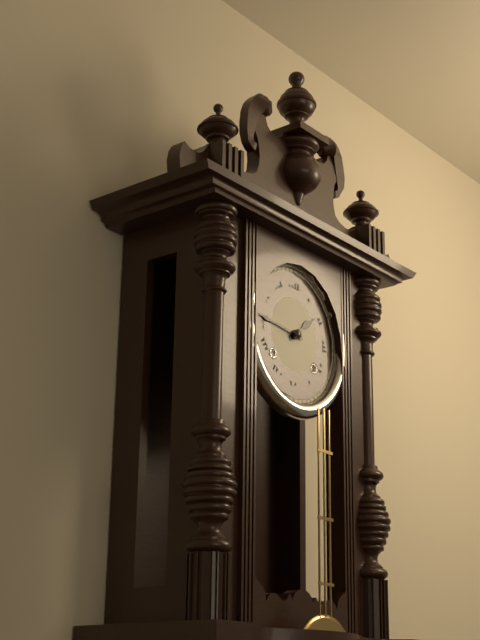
{"hour": 1, "minute": 46}
